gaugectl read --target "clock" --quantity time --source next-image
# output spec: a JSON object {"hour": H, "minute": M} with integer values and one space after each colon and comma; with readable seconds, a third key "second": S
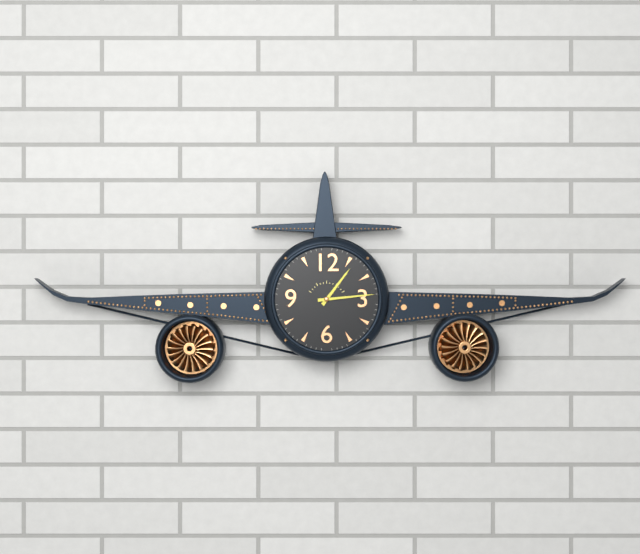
{"hour": 1, "minute": 14}
